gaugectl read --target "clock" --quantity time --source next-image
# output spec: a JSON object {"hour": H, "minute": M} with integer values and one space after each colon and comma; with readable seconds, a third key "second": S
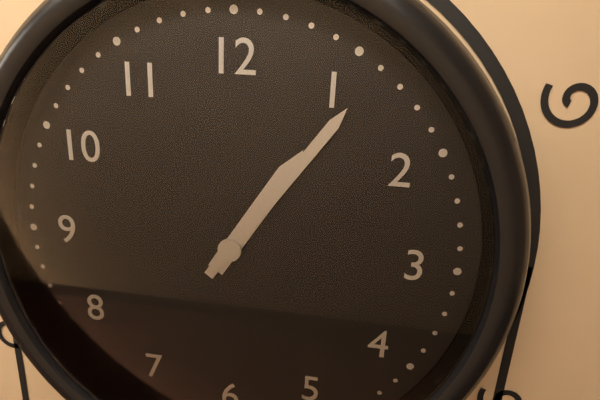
{"hour": 1, "minute": 6}
